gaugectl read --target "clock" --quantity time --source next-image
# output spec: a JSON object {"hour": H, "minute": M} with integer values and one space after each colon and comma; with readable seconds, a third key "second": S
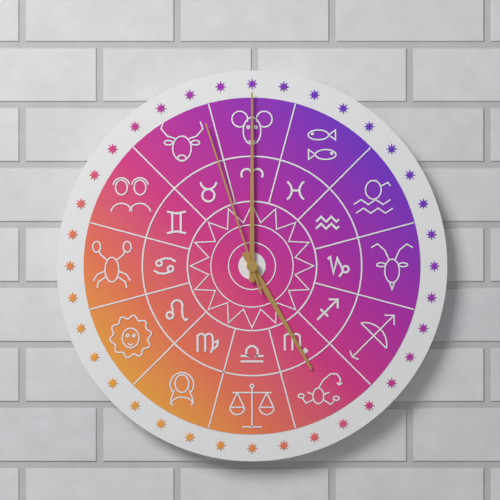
{"hour": 5, "minute": 0, "second": 57}
